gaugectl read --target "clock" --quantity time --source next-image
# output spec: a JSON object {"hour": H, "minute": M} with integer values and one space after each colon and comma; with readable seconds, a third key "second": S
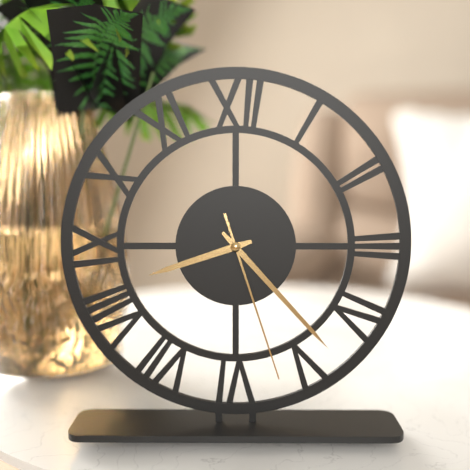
{"hour": 8, "minute": 23, "second": 27}
